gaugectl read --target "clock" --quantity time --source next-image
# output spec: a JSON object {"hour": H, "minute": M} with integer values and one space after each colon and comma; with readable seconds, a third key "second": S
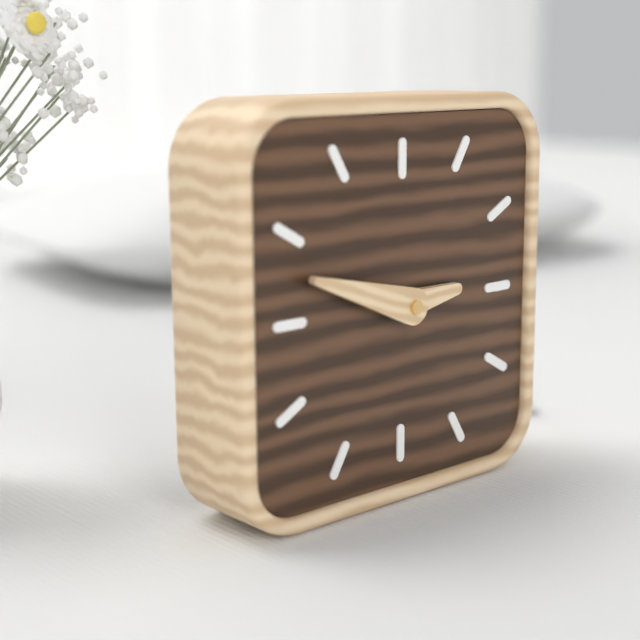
{"hour": 2, "minute": 48}
